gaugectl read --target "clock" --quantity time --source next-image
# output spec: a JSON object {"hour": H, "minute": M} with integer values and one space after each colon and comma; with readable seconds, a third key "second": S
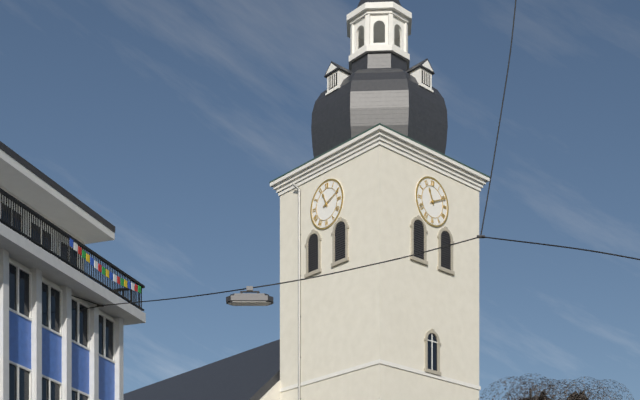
{"hour": 11, "minute": 11}
